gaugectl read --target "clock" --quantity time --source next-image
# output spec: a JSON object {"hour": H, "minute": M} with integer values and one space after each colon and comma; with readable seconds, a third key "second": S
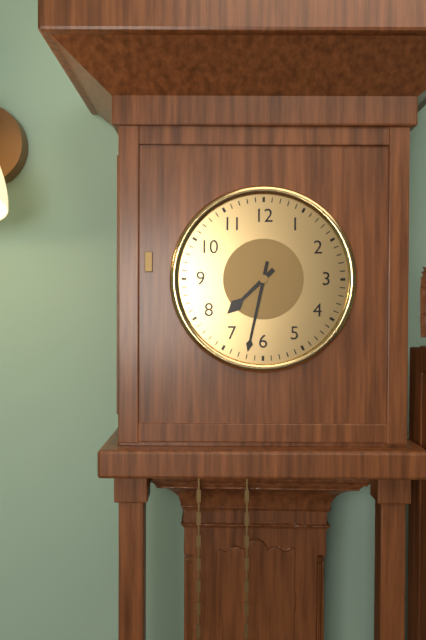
{"hour": 7, "minute": 32}
